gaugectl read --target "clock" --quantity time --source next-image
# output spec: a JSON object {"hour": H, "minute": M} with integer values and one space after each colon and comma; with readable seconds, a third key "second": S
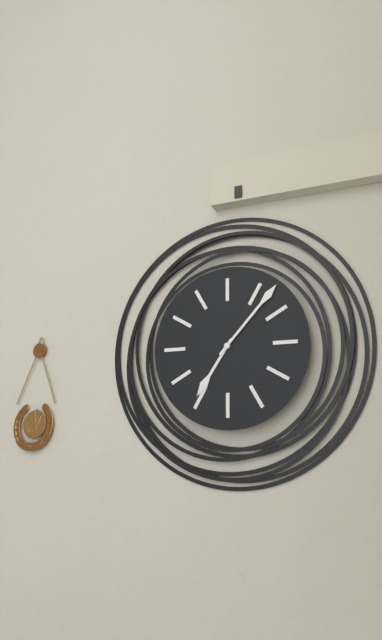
{"hour": 7, "minute": 7}
